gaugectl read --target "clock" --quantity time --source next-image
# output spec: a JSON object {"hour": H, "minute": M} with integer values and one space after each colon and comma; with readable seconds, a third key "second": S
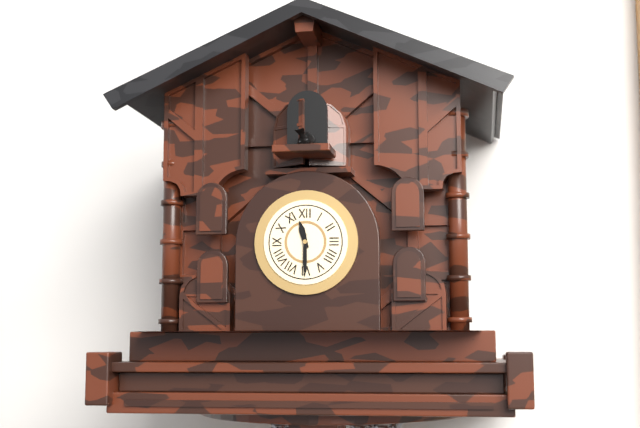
{"hour": 11, "minute": 30}
